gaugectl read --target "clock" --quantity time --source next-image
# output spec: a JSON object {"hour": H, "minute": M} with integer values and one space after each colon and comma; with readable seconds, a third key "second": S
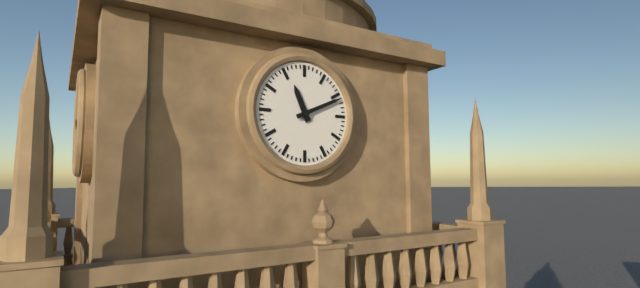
{"hour": 11, "minute": 11}
